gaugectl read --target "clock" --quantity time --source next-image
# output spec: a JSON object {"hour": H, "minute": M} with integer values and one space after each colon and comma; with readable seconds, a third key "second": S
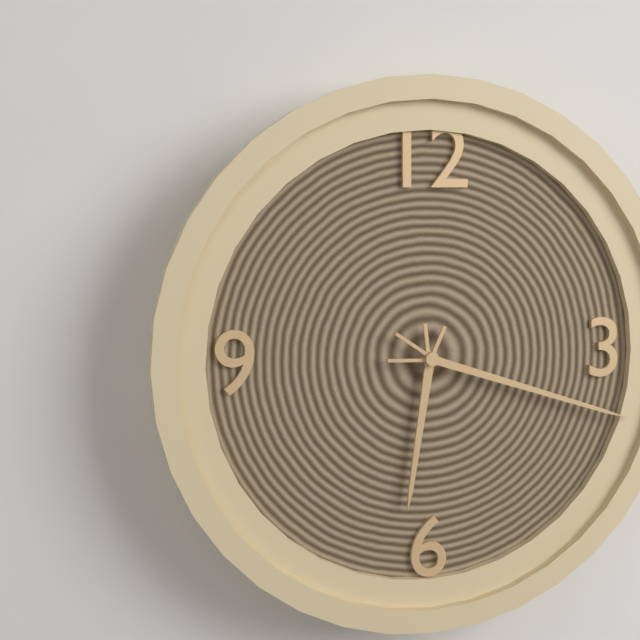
{"hour": 6, "minute": 18}
